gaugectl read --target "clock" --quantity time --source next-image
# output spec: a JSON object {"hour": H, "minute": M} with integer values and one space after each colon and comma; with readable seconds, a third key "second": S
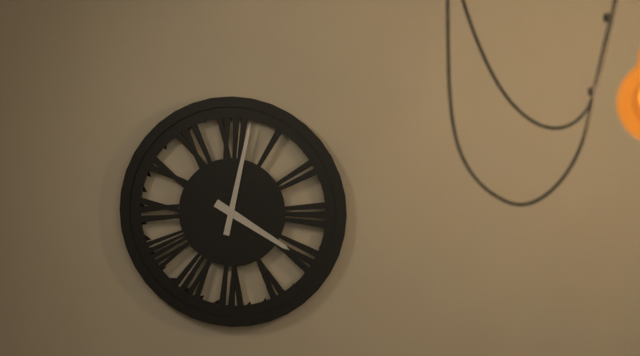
{"hour": 4, "minute": 2}
